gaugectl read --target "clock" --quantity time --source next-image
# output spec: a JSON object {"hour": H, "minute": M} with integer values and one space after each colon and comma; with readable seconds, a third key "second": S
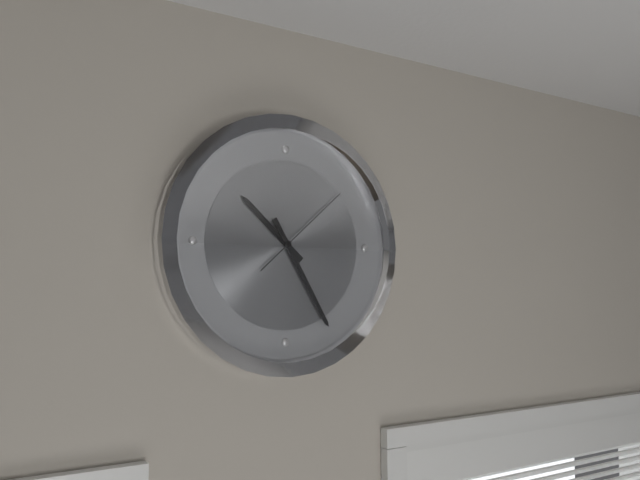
{"hour": 10, "minute": 25, "second": 8}
